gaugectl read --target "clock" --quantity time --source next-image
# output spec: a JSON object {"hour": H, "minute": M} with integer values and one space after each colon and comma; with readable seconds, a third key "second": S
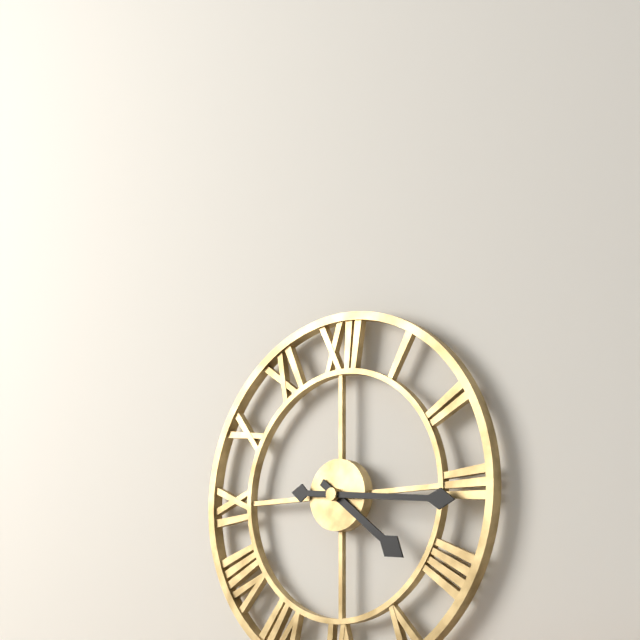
{"hour": 4, "minute": 16}
